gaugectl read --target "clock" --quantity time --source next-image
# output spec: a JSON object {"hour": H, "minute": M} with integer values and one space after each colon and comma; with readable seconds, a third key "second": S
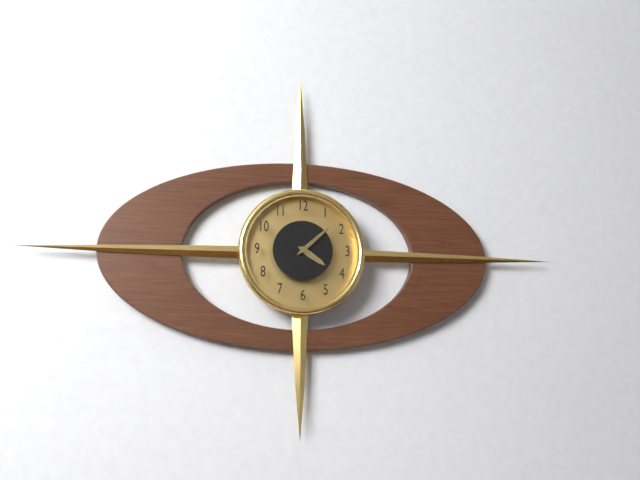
{"hour": 4, "minute": 8}
